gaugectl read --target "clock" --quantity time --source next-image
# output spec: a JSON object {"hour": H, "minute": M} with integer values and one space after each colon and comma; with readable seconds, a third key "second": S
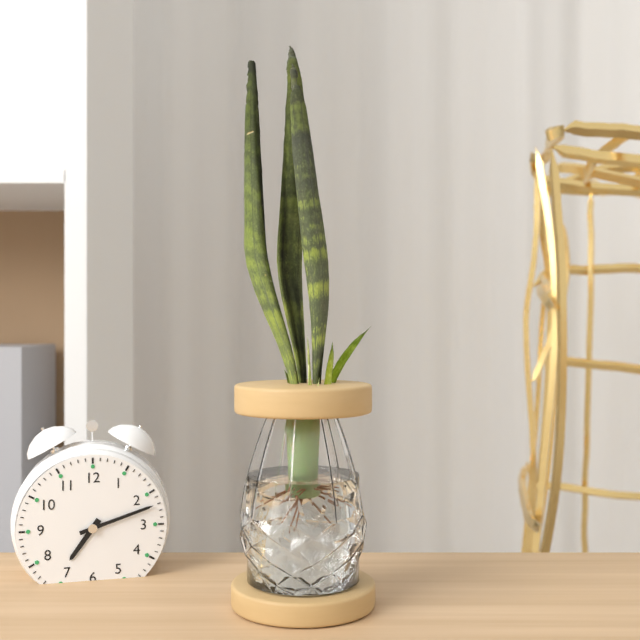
{"hour": 7, "minute": 12}
